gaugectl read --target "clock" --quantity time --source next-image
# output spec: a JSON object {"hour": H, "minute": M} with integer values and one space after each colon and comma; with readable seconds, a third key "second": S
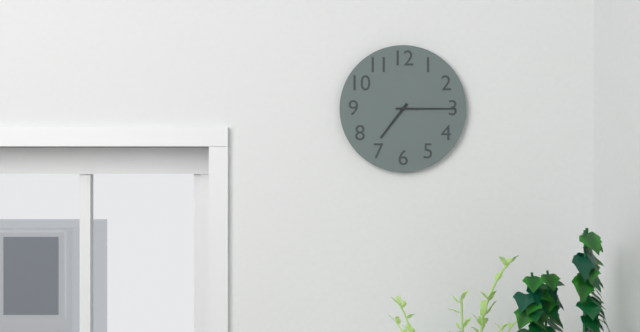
{"hour": 7, "minute": 15}
